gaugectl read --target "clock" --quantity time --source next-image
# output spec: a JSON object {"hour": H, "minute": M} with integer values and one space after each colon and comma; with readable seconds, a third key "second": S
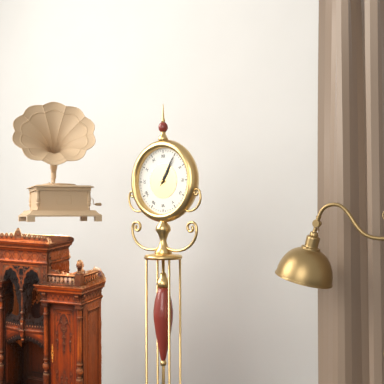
{"hour": 1, "minute": 5}
